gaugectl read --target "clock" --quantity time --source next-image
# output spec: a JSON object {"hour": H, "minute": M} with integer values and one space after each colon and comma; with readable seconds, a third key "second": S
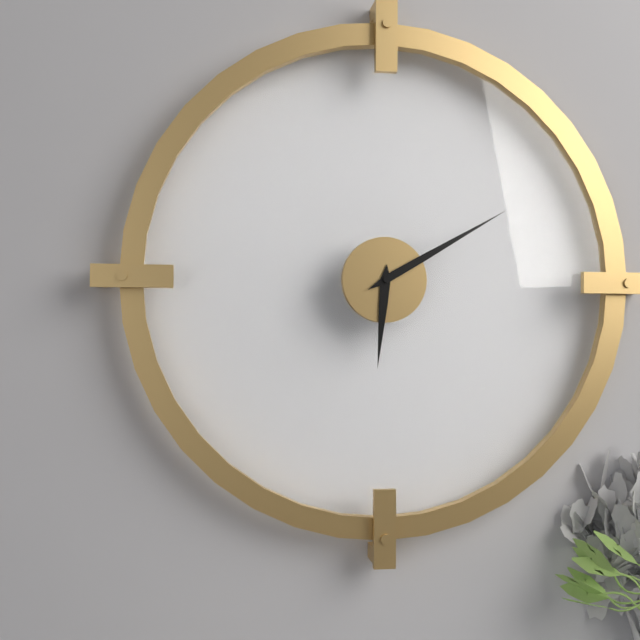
{"hour": 6, "minute": 10}
